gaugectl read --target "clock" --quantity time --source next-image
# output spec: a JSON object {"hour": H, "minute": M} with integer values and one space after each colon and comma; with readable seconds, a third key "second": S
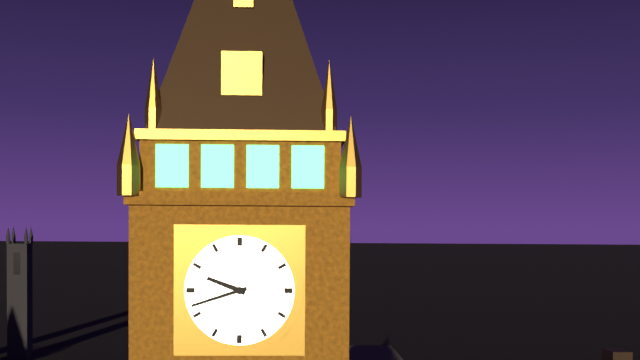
{"hour": 9, "minute": 42}
